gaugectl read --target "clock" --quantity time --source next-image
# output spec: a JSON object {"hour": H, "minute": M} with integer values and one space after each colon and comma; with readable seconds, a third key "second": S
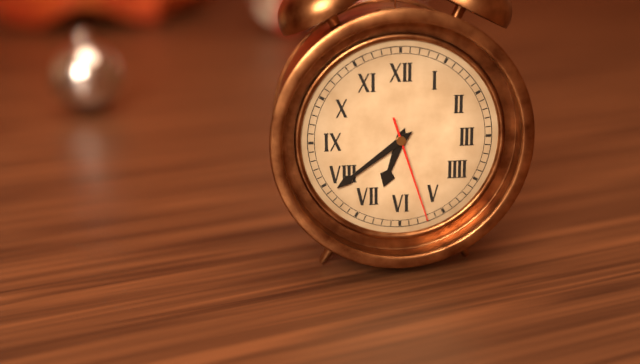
{"hour": 6, "minute": 39, "second": 27}
